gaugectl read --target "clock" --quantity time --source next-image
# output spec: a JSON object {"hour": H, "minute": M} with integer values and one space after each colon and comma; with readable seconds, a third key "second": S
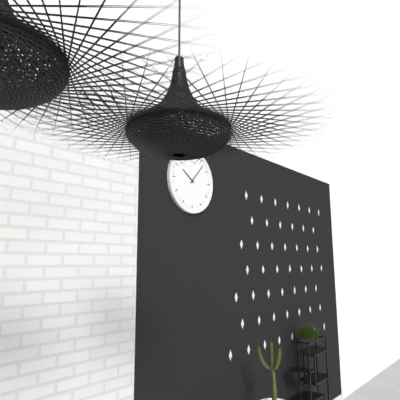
{"hour": 10, "minute": 7}
